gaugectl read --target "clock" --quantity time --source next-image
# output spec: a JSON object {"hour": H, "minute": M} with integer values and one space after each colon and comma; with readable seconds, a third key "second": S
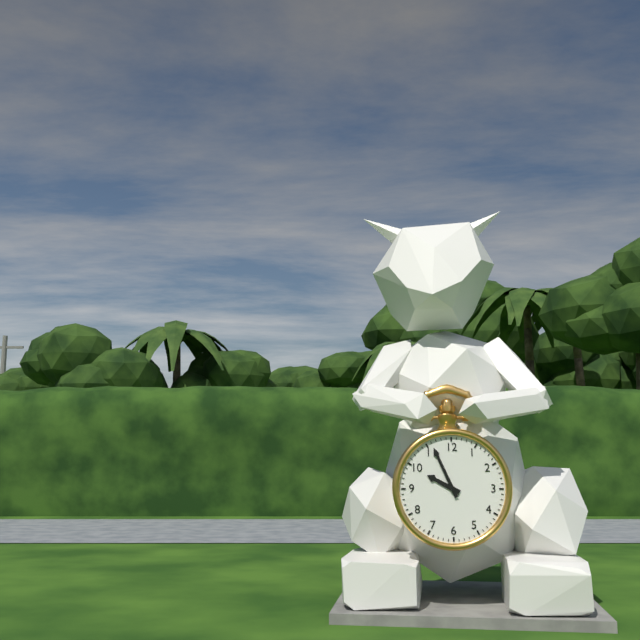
{"hour": 9, "minute": 56}
